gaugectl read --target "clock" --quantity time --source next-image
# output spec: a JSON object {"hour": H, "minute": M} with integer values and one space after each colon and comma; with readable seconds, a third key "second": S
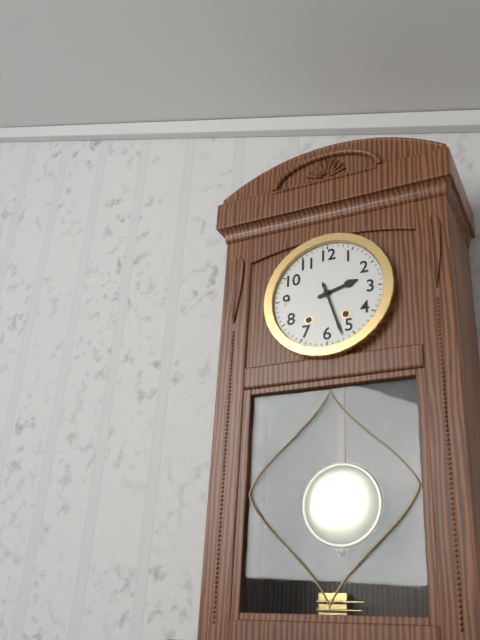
{"hour": 2, "minute": 27}
